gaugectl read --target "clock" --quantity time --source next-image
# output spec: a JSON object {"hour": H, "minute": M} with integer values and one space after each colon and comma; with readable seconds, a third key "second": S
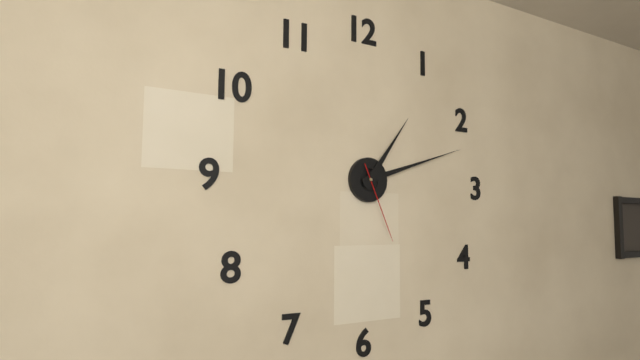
{"hour": 1, "minute": 12, "second": 26}
